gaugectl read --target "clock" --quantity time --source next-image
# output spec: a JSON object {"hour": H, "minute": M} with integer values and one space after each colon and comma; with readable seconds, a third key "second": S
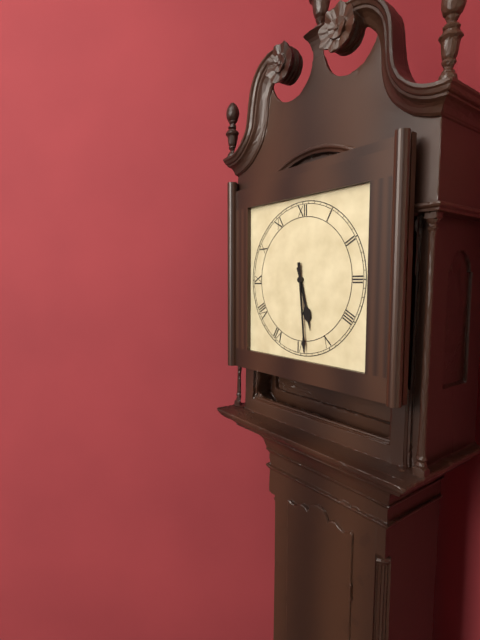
{"hour": 5, "minute": 29}
